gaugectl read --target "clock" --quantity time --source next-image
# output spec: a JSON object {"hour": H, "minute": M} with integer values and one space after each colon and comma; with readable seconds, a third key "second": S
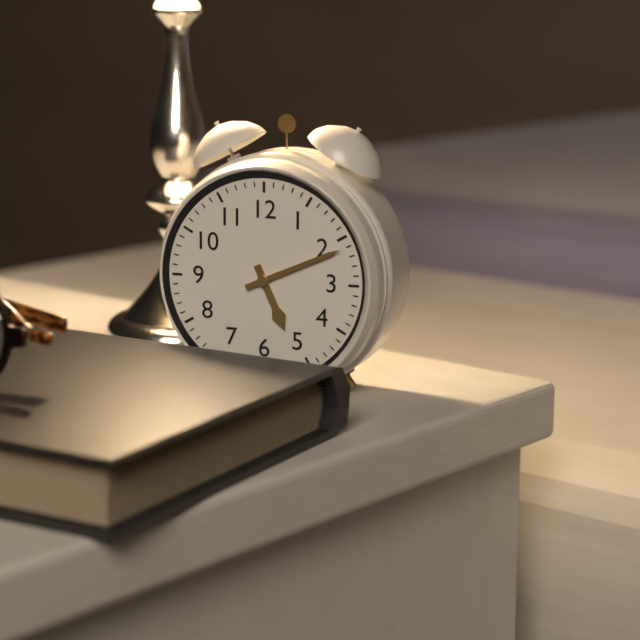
{"hour": 5, "minute": 11}
